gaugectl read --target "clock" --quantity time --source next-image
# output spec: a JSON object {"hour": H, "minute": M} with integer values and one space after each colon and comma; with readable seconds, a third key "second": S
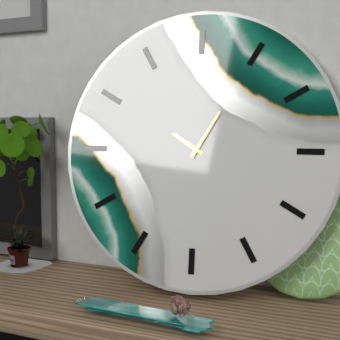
{"hour": 10, "minute": 5}
